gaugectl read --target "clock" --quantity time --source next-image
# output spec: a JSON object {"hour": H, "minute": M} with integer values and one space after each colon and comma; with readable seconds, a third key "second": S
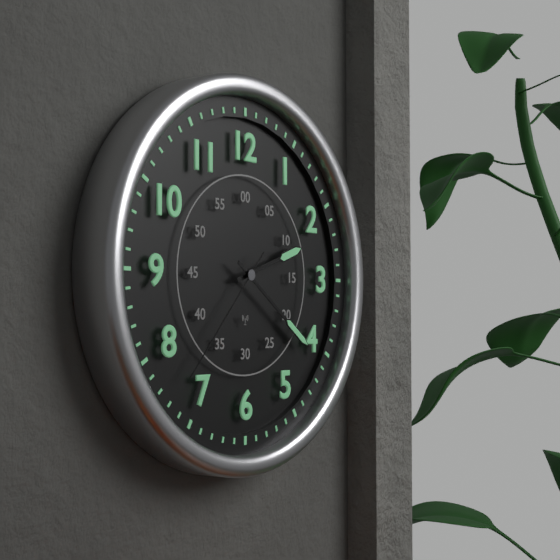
{"hour": 2, "minute": 21, "second": 37}
